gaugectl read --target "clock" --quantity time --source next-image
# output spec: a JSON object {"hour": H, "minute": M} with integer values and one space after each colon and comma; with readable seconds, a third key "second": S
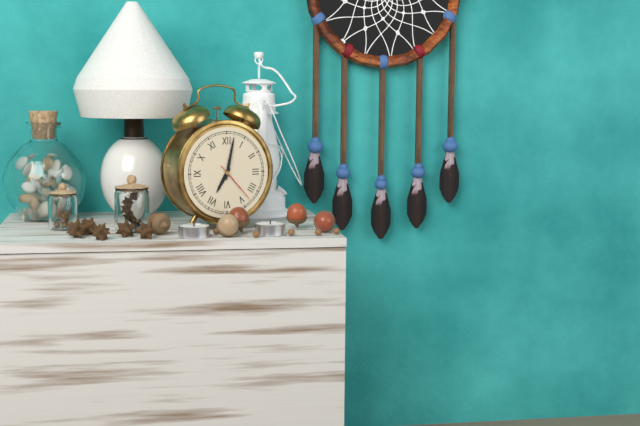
{"hour": 7, "minute": 2}
